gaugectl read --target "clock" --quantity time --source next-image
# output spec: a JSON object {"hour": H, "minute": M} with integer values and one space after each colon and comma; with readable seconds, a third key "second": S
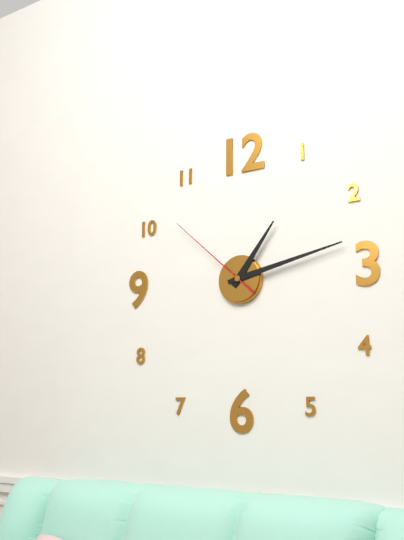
{"hour": 1, "minute": 13, "second": 52}
